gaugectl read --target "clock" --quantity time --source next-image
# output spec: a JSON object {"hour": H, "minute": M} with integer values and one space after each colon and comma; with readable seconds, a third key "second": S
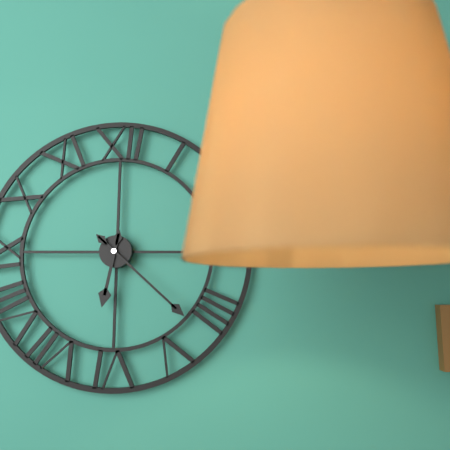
{"hour": 6, "minute": 22}
